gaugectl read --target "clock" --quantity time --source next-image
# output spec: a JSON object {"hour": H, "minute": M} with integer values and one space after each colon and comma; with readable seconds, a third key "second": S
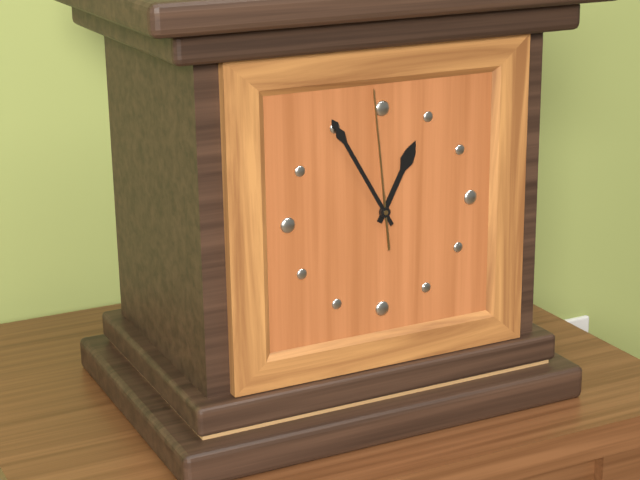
{"hour": 12, "minute": 55, "second": 59}
